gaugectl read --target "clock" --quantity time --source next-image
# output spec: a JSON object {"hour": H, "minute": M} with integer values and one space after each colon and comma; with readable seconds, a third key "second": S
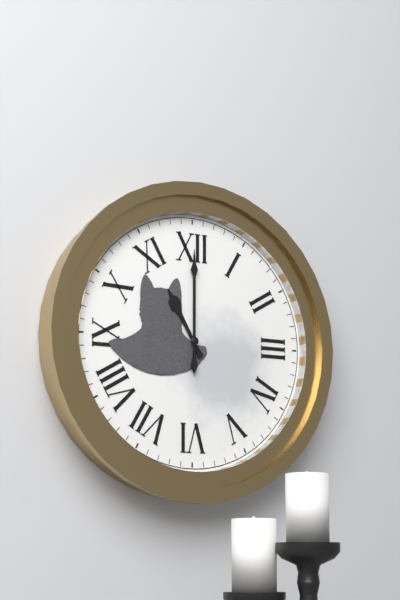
{"hour": 11, "minute": 0}
